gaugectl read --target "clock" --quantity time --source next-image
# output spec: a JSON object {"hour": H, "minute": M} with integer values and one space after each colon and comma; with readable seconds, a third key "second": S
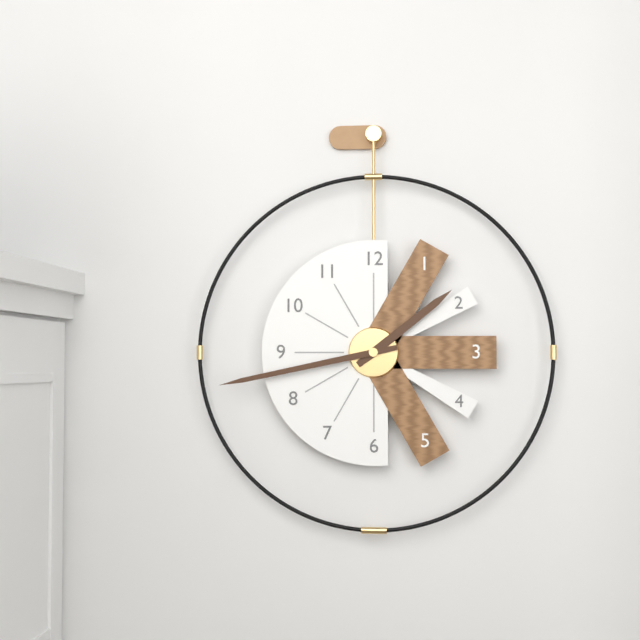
{"hour": 1, "minute": 43}
